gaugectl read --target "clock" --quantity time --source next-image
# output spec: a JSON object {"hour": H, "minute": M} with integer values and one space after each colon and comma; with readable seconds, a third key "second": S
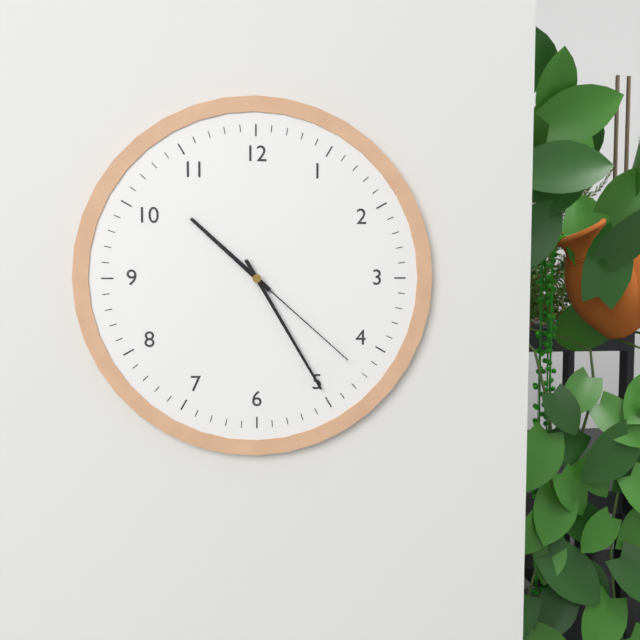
{"hour": 10, "minute": 25, "second": 22}
